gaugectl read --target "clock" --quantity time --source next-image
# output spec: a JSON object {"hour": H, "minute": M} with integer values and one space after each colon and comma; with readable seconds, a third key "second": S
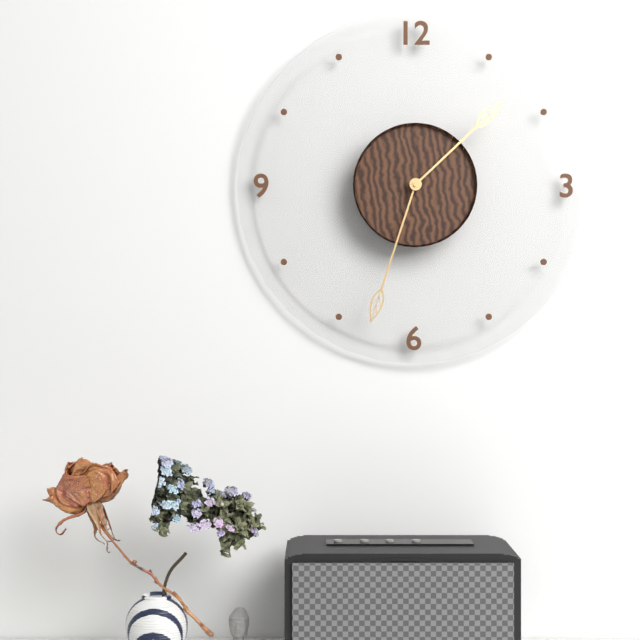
{"hour": 1, "minute": 33}
